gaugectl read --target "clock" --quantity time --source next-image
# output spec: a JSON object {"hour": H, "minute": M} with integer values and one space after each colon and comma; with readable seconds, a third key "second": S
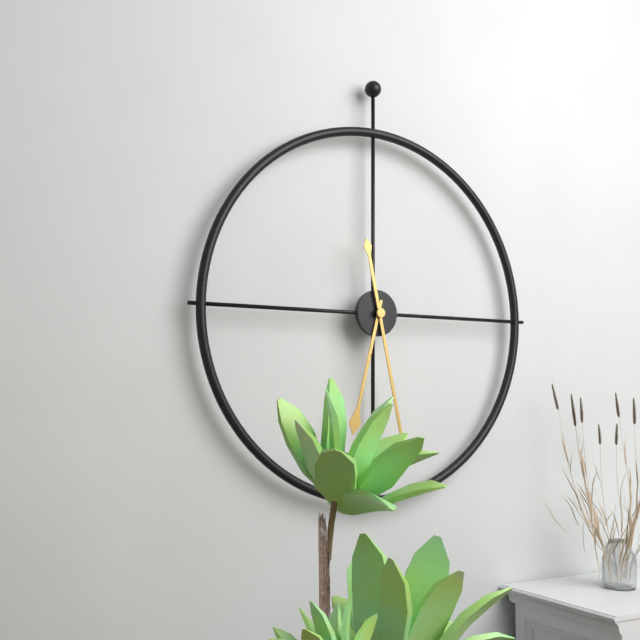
{"hour": 6, "minute": 28}
